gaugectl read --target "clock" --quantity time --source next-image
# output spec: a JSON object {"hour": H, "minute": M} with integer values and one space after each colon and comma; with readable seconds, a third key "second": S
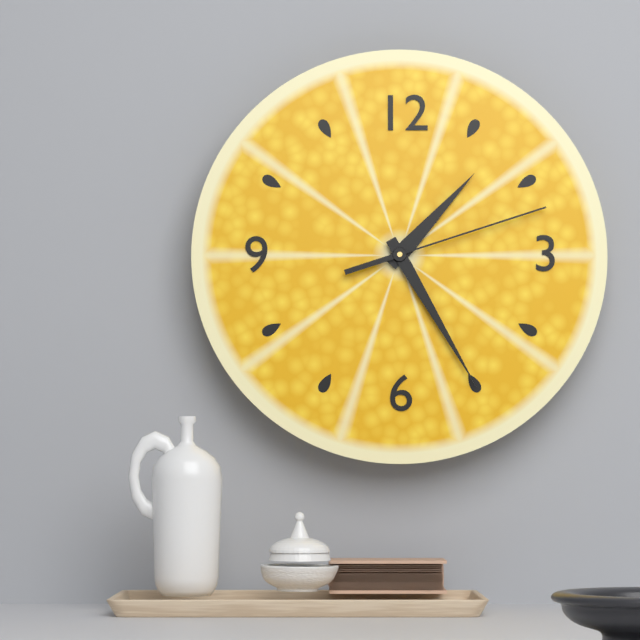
{"hour": 1, "minute": 25, "second": 12}
